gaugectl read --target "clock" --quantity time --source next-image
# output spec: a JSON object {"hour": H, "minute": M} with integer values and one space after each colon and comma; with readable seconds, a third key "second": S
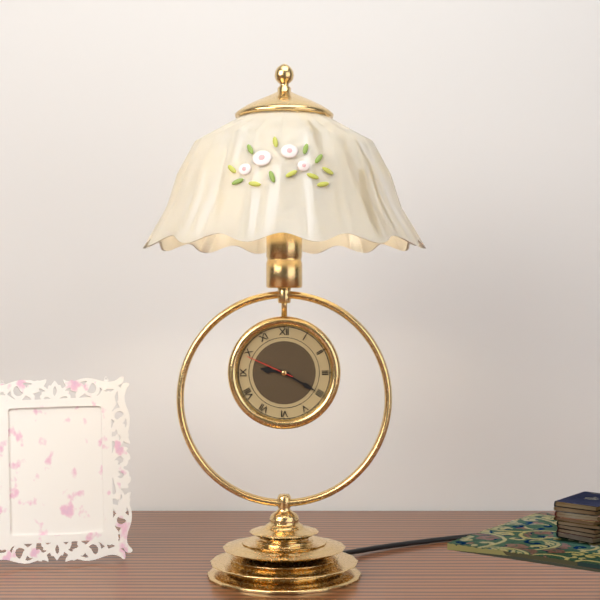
{"hour": 9, "minute": 20, "second": 49}
